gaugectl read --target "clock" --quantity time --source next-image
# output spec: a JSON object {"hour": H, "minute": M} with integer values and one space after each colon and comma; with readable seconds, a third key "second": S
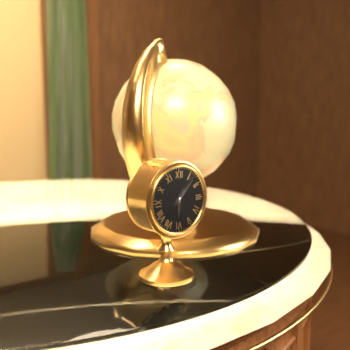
{"hour": 6, "minute": 7}
